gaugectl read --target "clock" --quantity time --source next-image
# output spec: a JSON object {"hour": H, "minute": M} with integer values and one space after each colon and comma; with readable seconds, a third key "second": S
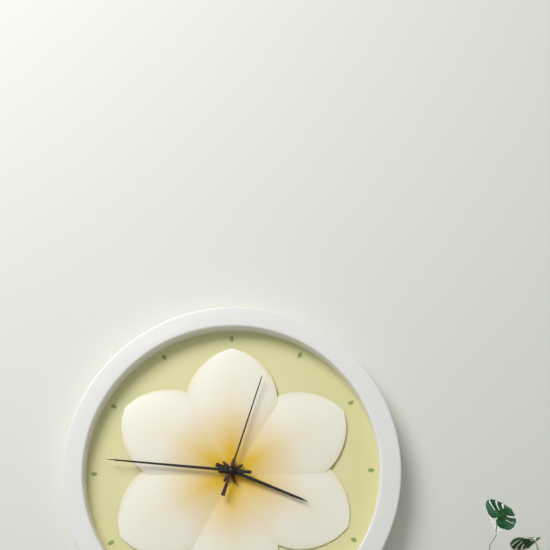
{"hour": 3, "minute": 46, "second": 3}
